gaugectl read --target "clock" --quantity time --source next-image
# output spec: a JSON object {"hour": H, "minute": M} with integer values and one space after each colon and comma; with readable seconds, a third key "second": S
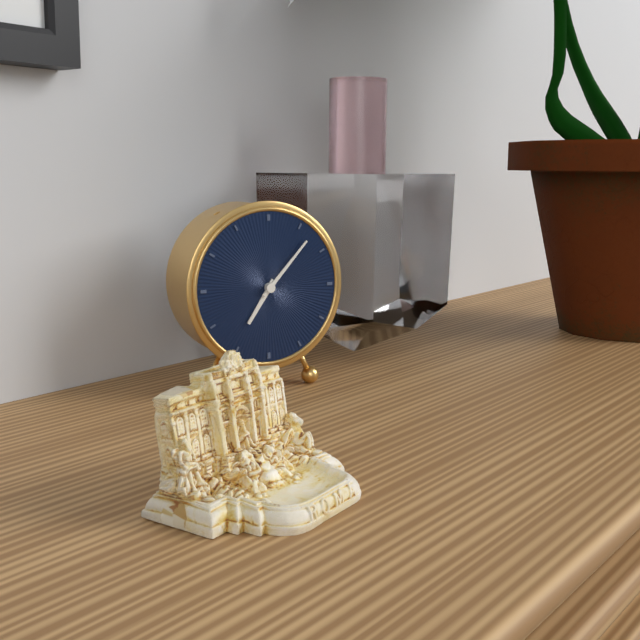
{"hour": 7, "minute": 7}
